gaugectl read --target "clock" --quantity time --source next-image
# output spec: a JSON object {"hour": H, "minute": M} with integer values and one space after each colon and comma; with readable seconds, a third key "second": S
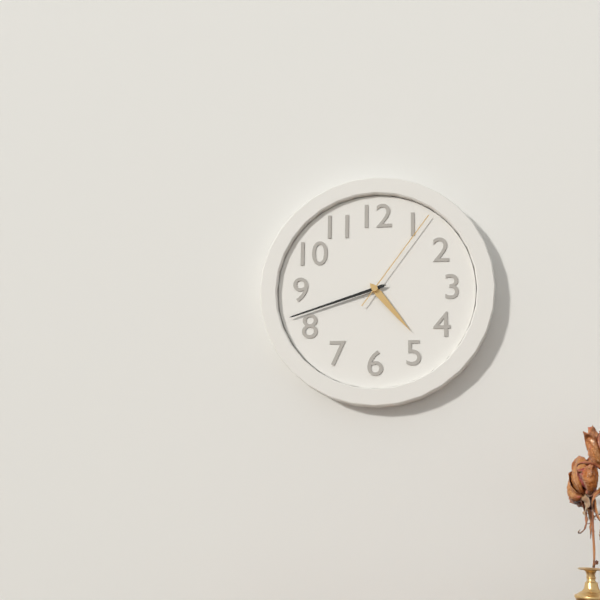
{"hour": 4, "minute": 42, "second": 6}
